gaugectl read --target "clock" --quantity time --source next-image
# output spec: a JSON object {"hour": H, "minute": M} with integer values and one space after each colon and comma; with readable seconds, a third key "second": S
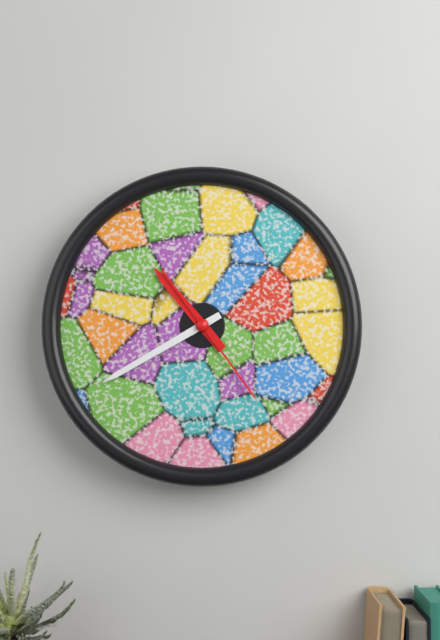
{"hour": 10, "minute": 40, "second": 24}
